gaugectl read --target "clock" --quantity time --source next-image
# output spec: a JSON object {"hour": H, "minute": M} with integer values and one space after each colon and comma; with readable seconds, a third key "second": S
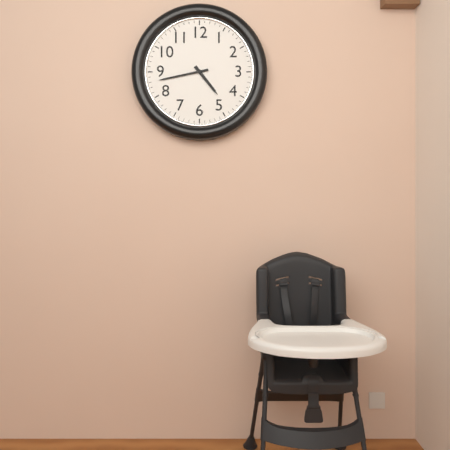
{"hour": 4, "minute": 43}
